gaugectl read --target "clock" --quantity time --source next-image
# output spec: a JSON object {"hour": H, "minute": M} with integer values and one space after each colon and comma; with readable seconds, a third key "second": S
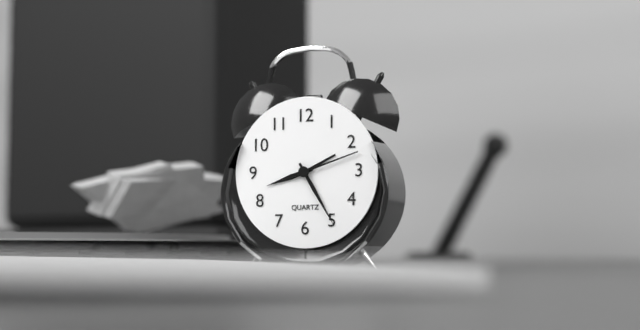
{"hour": 8, "minute": 25, "second": 12}
